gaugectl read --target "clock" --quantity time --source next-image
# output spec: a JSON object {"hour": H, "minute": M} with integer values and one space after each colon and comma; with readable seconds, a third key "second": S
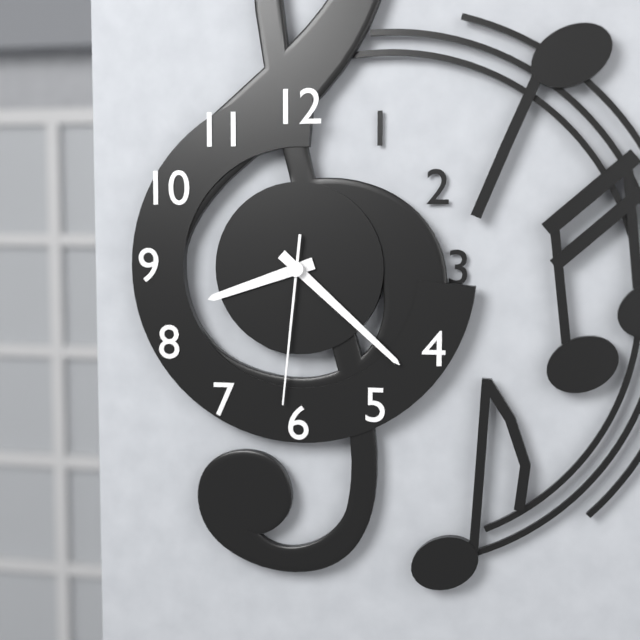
{"hour": 8, "minute": 22, "second": 31}
